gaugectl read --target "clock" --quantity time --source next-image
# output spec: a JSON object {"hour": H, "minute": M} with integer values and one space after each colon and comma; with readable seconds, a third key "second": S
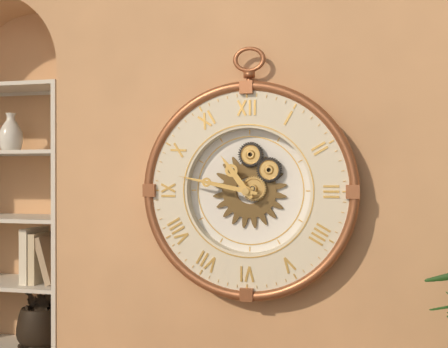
{"hour": 10, "minute": 47}
